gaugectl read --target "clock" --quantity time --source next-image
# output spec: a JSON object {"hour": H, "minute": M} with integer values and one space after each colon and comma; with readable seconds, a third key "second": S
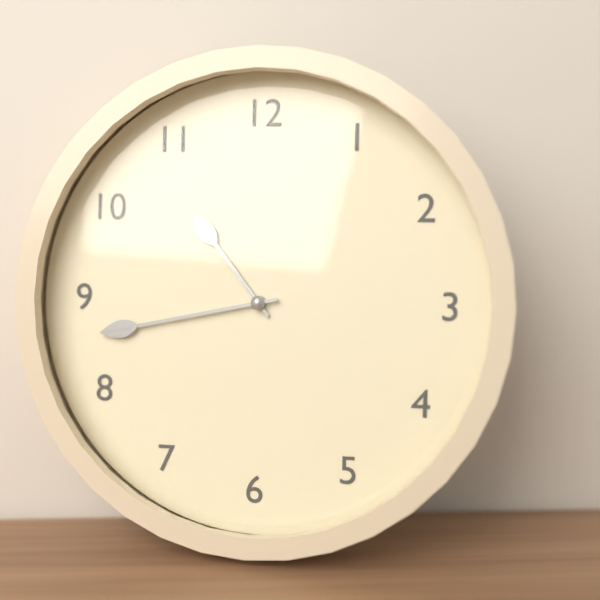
{"hour": 10, "minute": 43}
